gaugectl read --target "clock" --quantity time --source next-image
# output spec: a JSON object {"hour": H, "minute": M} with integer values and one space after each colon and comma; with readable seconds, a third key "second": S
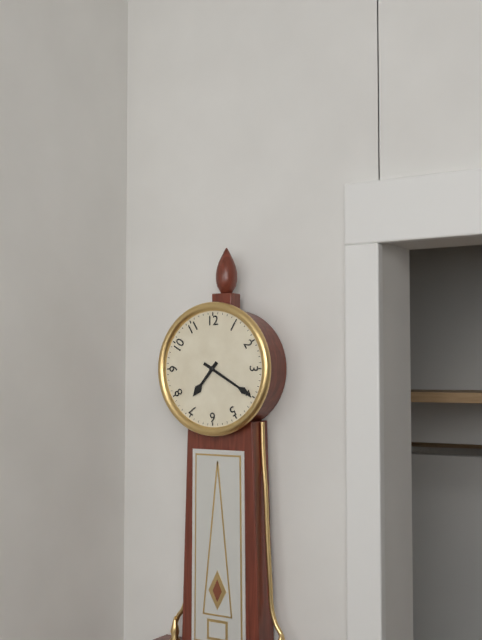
{"hour": 7, "minute": 20}
